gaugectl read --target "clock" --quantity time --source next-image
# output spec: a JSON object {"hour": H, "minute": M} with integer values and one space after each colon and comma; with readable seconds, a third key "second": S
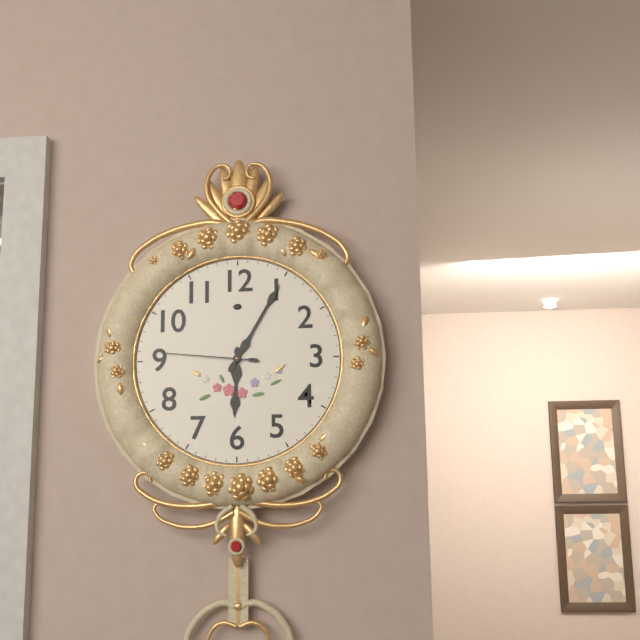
{"hour": 6, "minute": 5, "second": 46}
